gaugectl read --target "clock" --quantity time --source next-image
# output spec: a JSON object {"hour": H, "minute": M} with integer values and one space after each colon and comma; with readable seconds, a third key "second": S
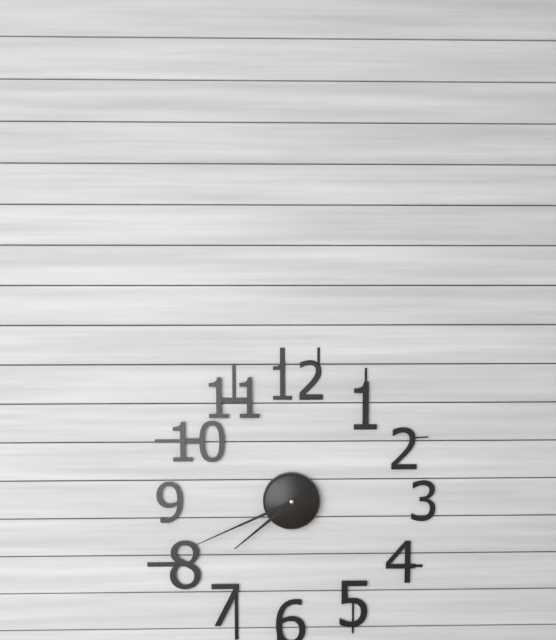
{"hour": 7, "minute": 41}
